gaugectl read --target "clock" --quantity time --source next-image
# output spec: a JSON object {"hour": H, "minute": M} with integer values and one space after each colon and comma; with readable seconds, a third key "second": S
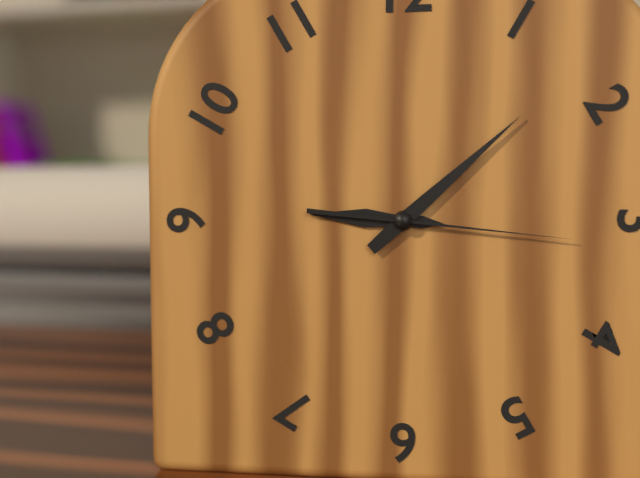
{"hour": 9, "minute": 8, "second": 16}
